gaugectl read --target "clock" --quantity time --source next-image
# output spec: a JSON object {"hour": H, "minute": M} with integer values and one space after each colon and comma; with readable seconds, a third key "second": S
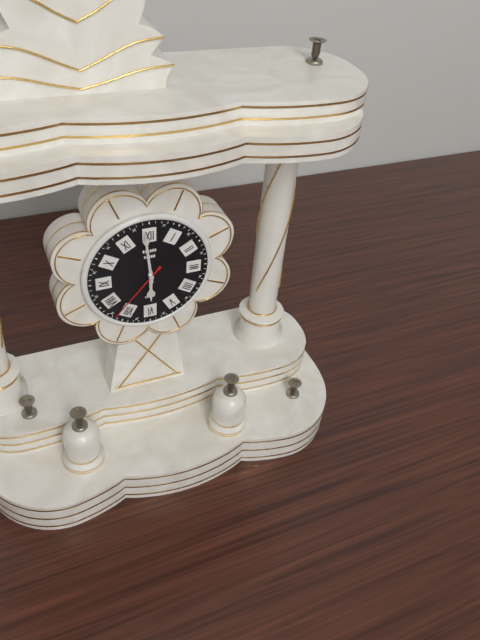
{"hour": 5, "minute": 59, "second": 37}
